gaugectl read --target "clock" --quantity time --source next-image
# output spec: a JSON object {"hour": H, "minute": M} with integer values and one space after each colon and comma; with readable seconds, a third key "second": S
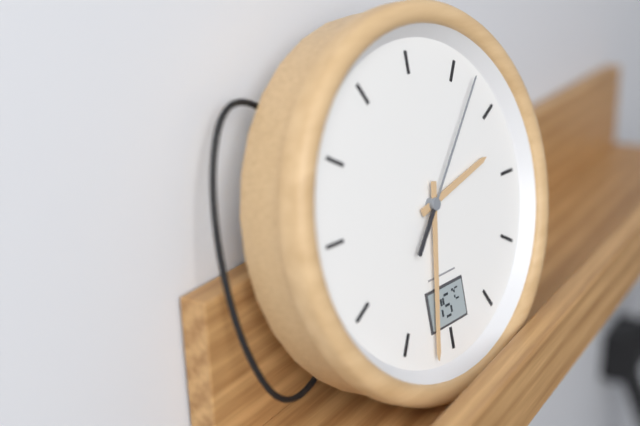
{"hour": 2, "minute": 32, "second": 7}
